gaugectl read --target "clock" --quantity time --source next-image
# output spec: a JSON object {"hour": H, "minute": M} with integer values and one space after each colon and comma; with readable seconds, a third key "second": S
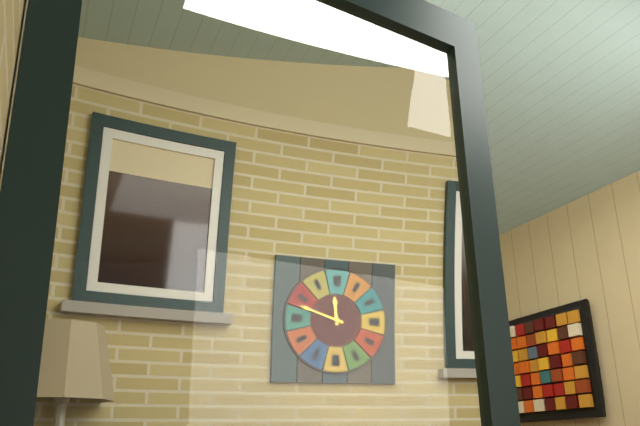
{"hour": 11, "minute": 48}
